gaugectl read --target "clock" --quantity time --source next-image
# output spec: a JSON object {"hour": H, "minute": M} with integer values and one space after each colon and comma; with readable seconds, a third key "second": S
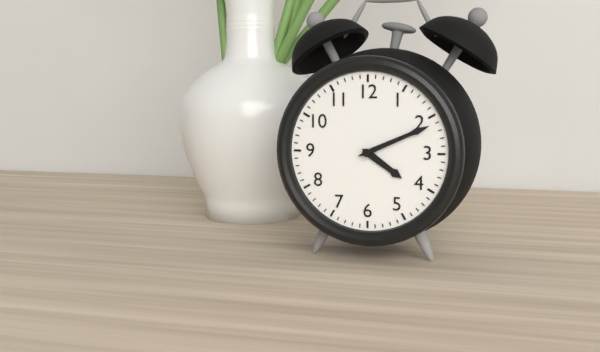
{"hour": 4, "minute": 11}
